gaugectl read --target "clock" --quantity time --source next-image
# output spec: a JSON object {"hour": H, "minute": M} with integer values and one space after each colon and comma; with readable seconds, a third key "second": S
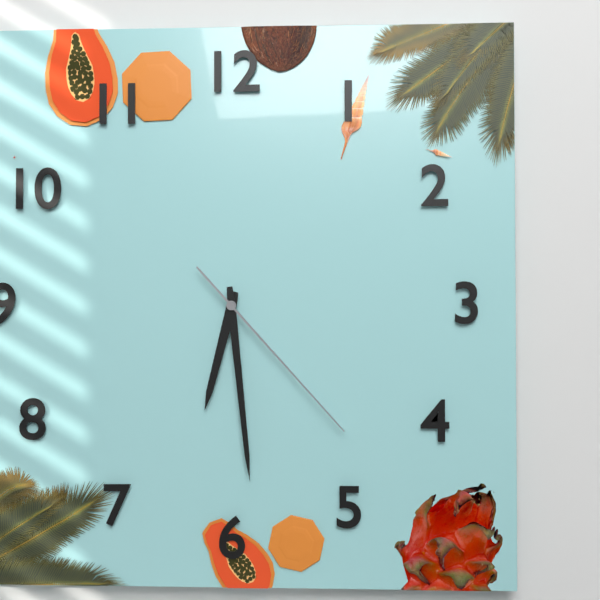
{"hour": 6, "minute": 29, "second": 23}
